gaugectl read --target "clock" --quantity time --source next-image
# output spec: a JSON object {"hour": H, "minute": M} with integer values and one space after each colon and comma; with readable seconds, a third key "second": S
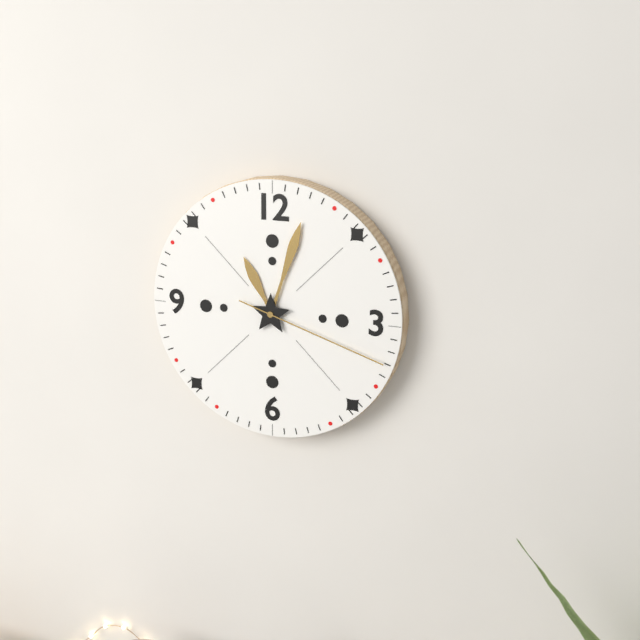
{"hour": 11, "minute": 3, "second": 18}
